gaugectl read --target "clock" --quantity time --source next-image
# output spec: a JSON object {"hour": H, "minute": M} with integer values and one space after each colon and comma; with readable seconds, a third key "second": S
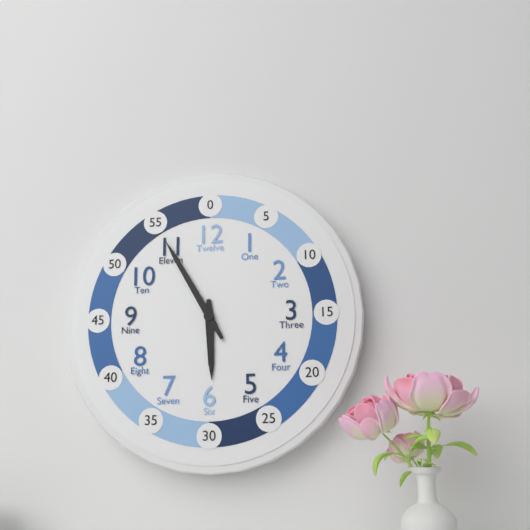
{"hour": 5, "minute": 55}
